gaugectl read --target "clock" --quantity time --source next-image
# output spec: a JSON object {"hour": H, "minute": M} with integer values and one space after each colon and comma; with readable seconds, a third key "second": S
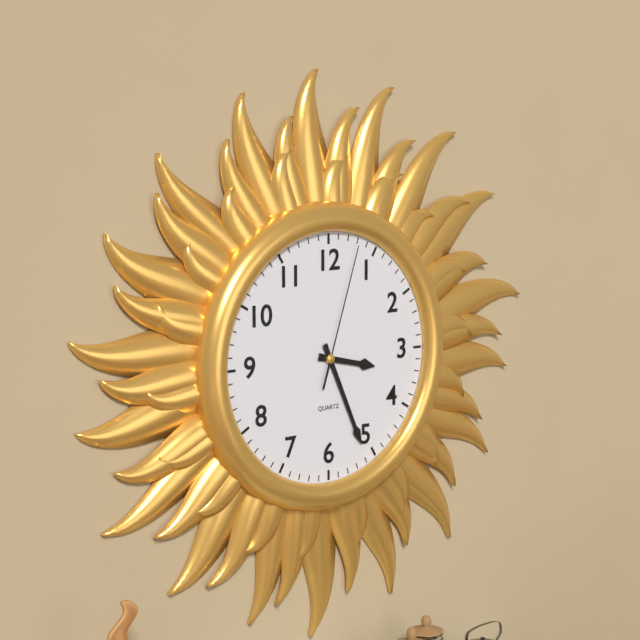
{"hour": 3, "minute": 26, "second": 3}
